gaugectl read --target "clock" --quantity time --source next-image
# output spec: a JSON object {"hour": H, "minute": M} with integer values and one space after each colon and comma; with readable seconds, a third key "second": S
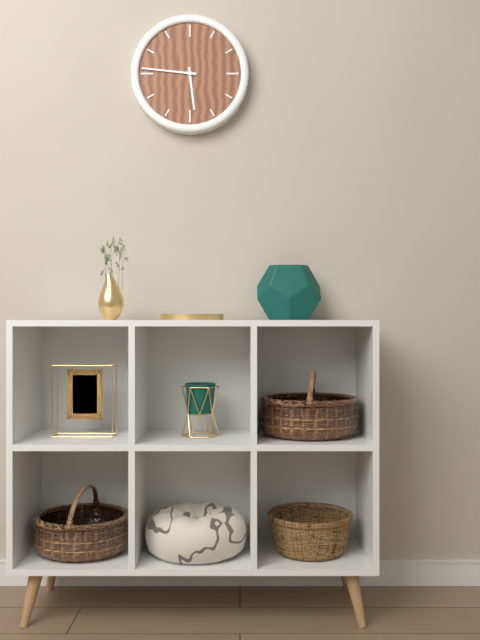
{"hour": 5, "minute": 46}
